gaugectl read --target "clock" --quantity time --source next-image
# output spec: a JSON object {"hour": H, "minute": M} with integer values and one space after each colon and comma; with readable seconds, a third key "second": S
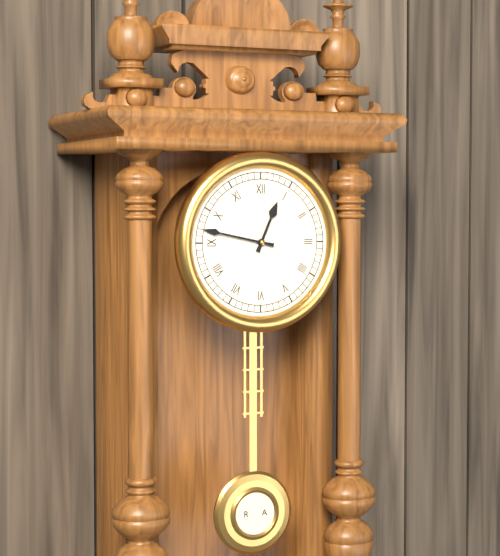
{"hour": 12, "minute": 47}
